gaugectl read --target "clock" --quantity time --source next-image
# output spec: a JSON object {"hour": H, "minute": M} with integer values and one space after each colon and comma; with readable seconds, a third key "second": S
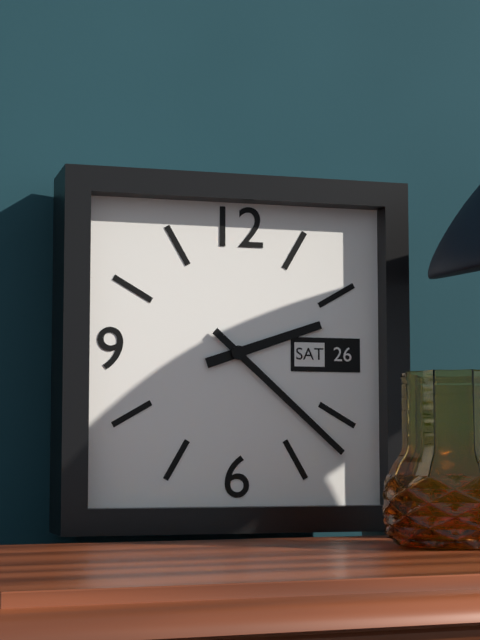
{"hour": 2, "minute": 22}
